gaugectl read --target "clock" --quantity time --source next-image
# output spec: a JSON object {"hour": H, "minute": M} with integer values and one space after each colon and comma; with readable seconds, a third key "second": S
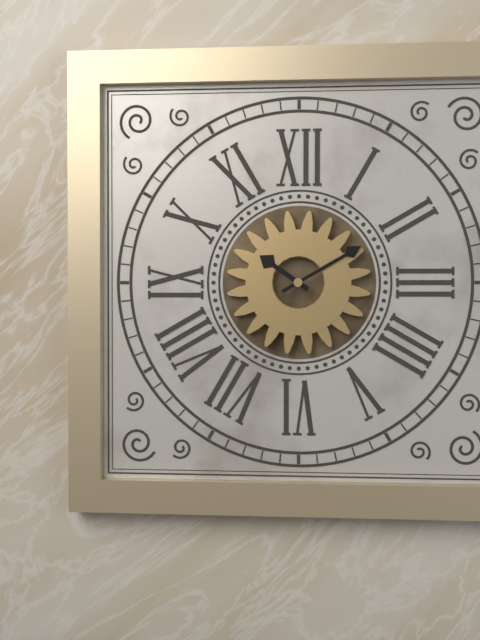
{"hour": 10, "minute": 10}
